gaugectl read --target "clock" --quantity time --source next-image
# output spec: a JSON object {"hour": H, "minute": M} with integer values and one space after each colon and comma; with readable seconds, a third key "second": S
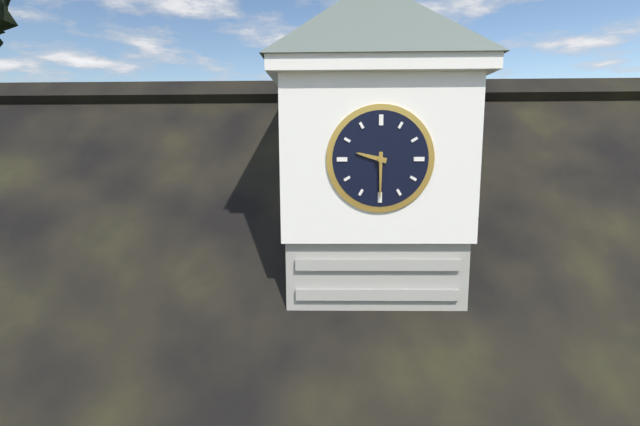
{"hour": 9, "minute": 30}
